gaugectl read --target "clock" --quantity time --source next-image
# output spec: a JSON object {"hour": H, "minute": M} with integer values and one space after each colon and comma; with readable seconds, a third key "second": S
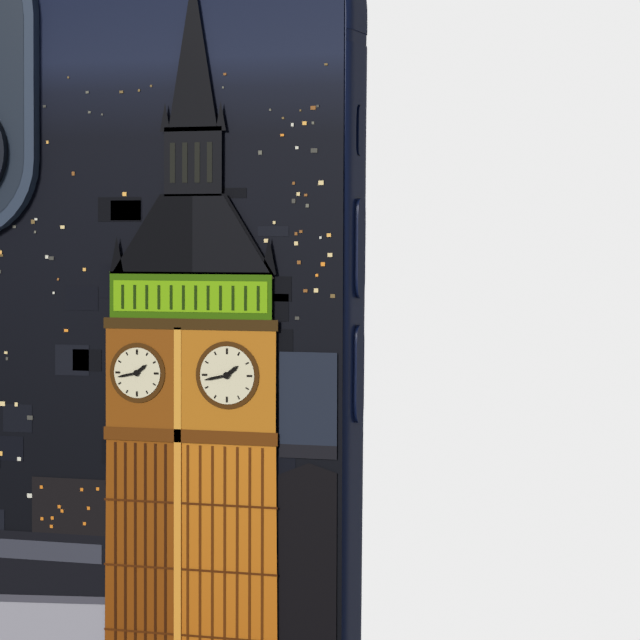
{"hour": 1, "minute": 43}
